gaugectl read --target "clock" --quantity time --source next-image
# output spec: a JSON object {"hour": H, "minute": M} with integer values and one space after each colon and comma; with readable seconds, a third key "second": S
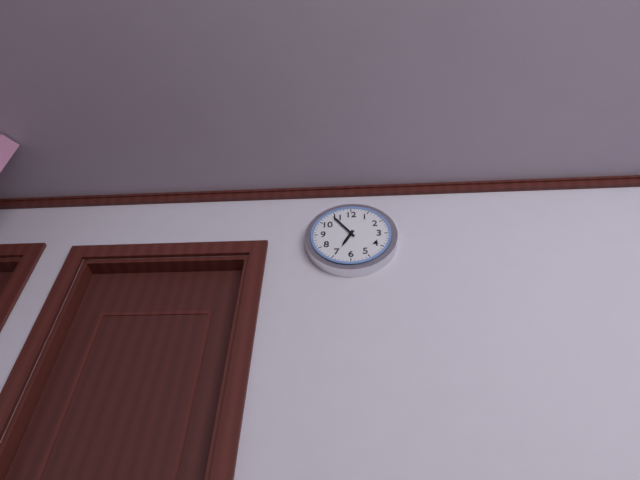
{"hour": 6, "minute": 54}
